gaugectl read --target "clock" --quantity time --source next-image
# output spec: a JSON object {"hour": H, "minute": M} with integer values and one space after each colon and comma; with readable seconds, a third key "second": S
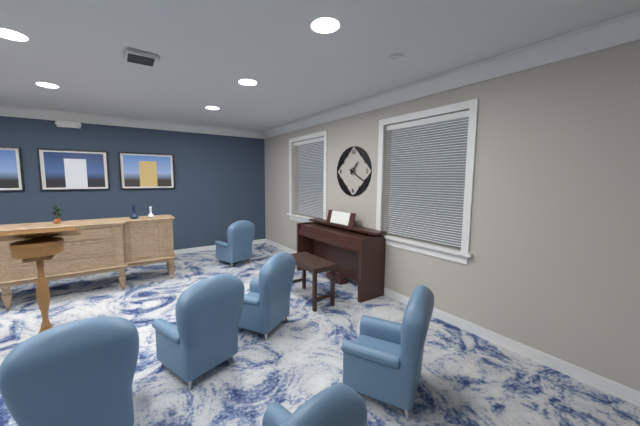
{"hour": 1, "minute": 20}
